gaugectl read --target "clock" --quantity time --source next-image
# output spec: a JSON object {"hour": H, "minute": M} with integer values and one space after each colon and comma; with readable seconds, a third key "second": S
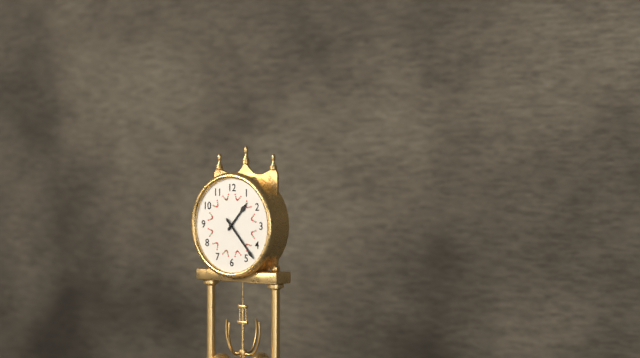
{"hour": 1, "minute": 23}
